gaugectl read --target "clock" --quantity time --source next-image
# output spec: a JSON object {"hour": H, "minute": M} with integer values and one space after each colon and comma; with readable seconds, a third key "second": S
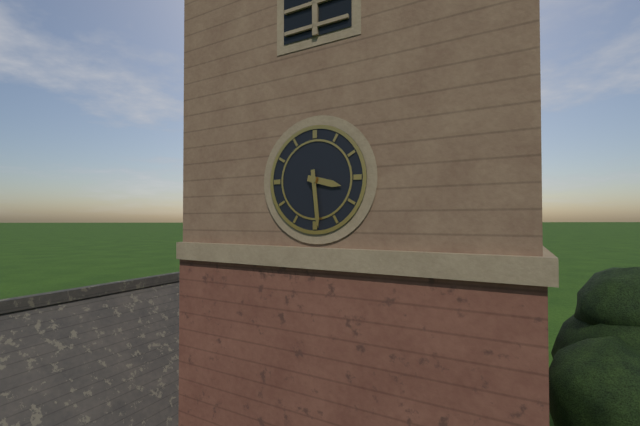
{"hour": 3, "minute": 29}
